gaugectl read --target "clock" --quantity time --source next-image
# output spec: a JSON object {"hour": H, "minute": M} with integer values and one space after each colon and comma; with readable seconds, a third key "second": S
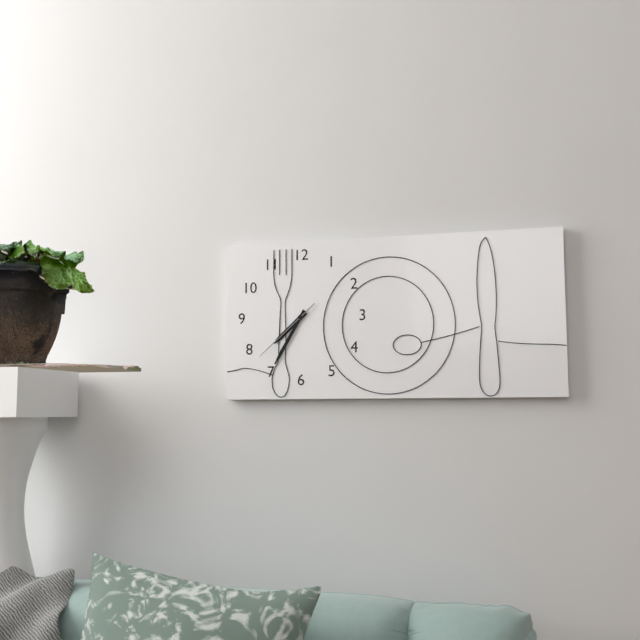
{"hour": 7, "minute": 35, "second": 38}
